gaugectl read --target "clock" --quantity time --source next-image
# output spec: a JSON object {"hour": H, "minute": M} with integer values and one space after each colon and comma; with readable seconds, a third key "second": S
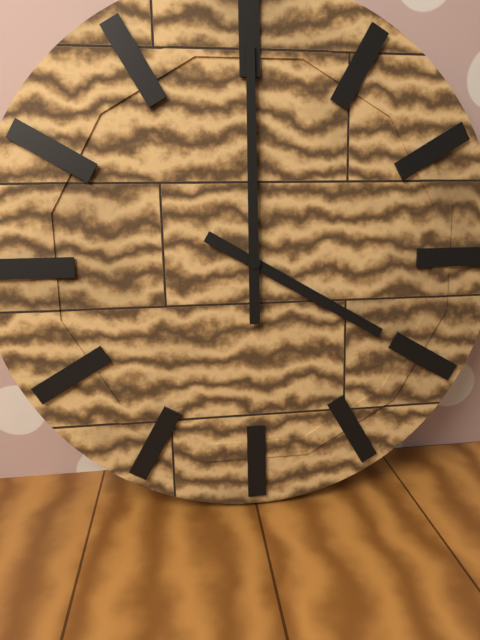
{"hour": 4, "minute": 0}
